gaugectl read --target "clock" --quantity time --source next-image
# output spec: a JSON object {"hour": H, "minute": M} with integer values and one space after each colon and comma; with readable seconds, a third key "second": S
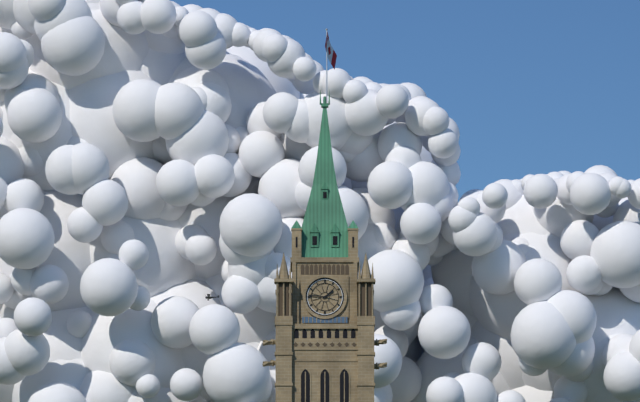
{"hour": 1, "minute": 46}
